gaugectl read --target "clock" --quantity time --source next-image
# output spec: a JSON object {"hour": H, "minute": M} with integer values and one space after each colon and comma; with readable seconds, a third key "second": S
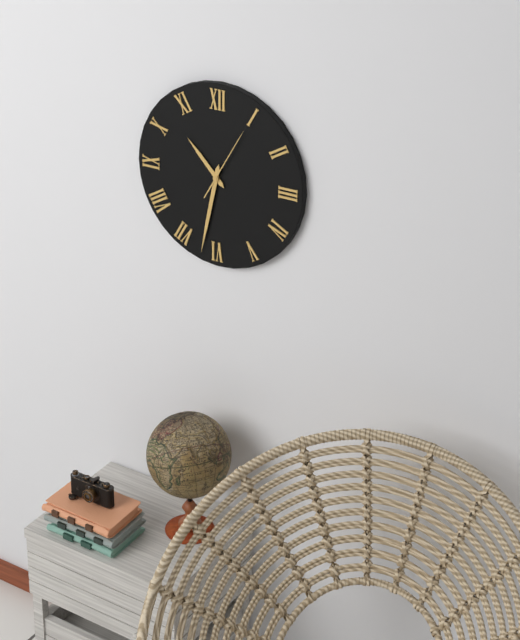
{"hour": 10, "minute": 32, "second": 5}
